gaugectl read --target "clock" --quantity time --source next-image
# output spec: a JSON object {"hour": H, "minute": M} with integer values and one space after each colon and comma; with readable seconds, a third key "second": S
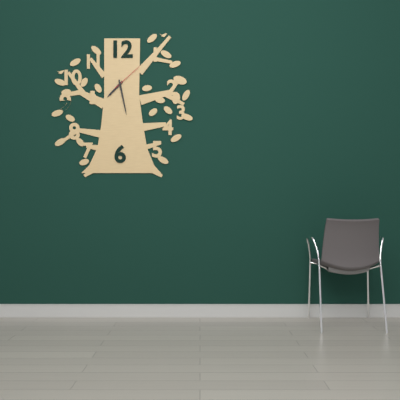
{"hour": 7, "minute": 28}
